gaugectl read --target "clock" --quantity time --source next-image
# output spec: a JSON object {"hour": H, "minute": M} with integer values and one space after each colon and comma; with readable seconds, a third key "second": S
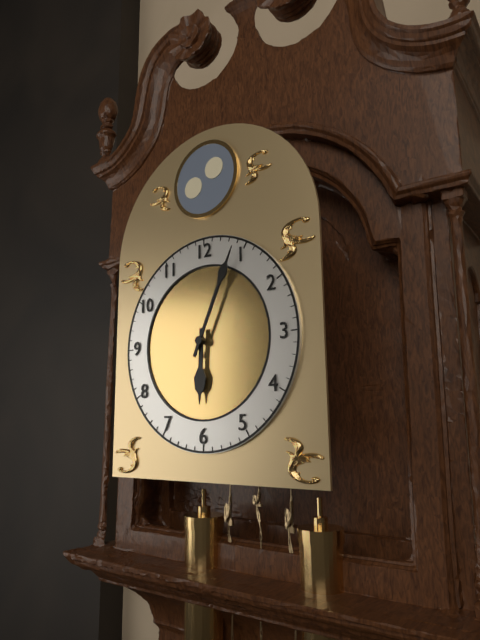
{"hour": 6, "minute": 4}
